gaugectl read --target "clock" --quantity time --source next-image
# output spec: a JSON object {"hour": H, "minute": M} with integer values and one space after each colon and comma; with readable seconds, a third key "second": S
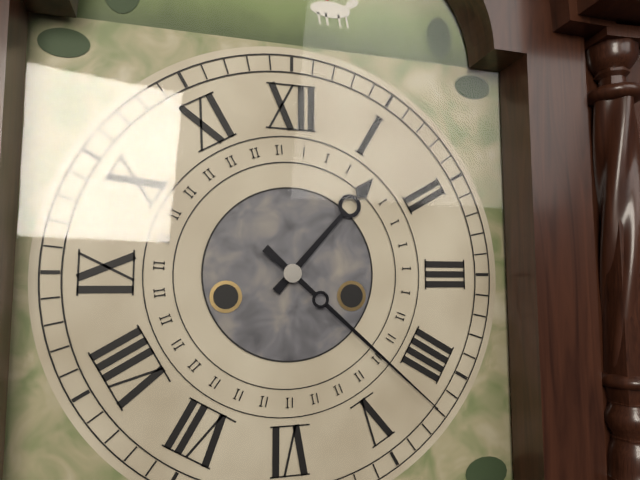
{"hour": 1, "minute": 22}
